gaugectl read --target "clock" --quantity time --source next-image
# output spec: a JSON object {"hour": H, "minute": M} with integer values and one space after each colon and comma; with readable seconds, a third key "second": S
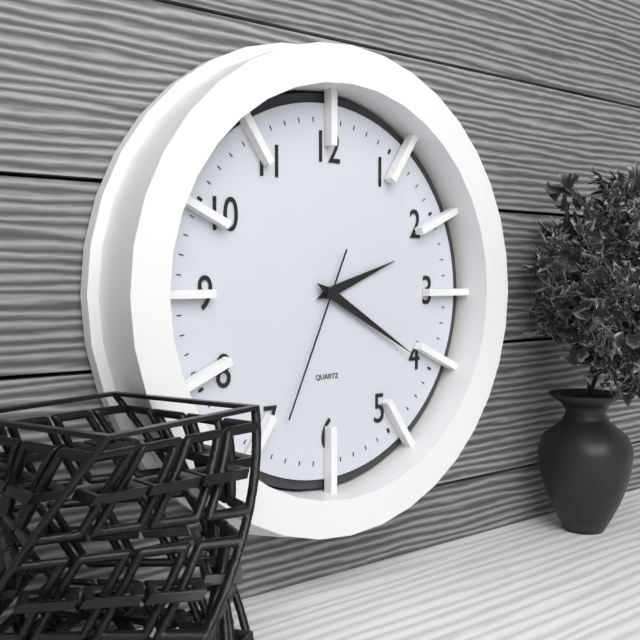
{"hour": 2, "minute": 20, "second": 34}
